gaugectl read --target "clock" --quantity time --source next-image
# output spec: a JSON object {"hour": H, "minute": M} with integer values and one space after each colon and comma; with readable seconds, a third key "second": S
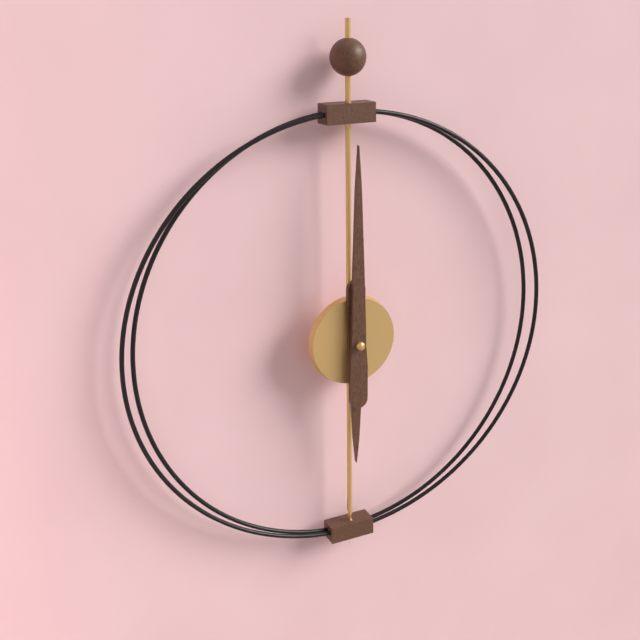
{"hour": 6, "minute": 0}
